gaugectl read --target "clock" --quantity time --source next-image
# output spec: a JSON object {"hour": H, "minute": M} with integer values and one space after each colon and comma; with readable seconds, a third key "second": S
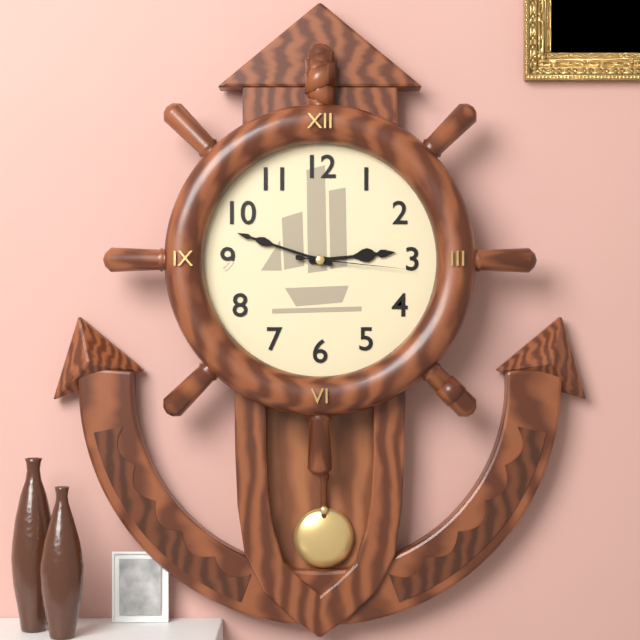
{"hour": 2, "minute": 48, "second": 16}
